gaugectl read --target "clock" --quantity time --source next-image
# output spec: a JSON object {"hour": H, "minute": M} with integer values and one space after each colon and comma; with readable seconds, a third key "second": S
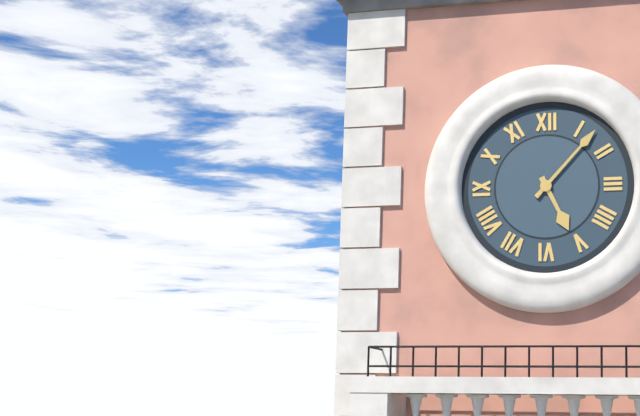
{"hour": 5, "minute": 7}
